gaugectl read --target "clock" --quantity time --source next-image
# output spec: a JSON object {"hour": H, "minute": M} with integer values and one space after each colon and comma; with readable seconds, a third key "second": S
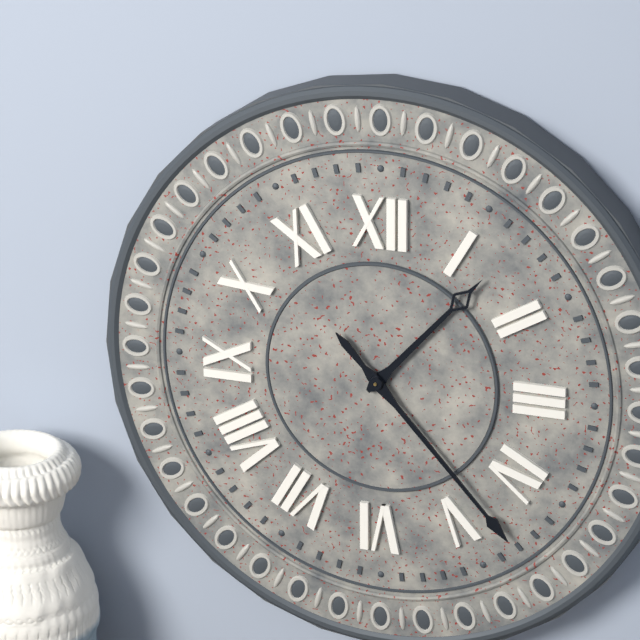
{"hour": 1, "minute": 23}
